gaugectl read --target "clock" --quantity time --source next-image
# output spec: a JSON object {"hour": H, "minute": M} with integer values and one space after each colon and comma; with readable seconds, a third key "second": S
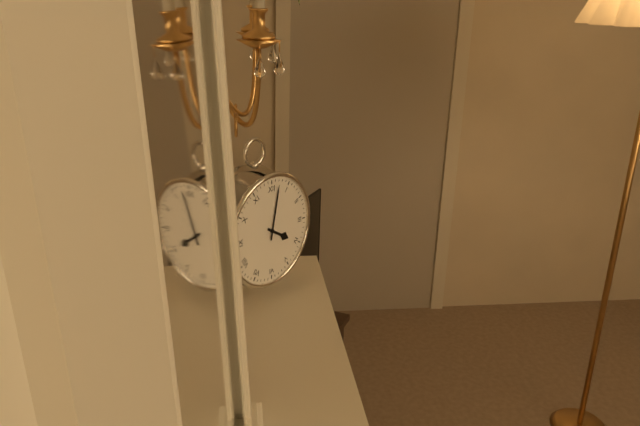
{"hour": 4, "minute": 2}
